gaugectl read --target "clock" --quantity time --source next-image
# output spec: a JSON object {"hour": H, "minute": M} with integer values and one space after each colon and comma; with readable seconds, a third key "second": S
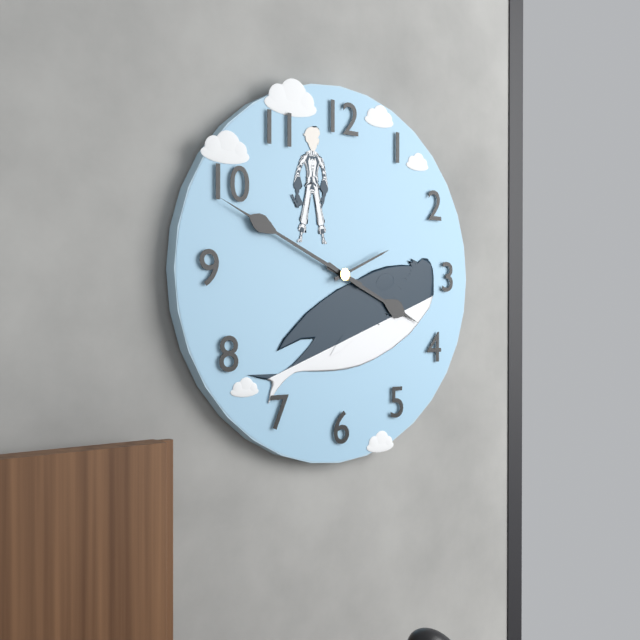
{"hour": 3, "minute": 49, "second": 11}
